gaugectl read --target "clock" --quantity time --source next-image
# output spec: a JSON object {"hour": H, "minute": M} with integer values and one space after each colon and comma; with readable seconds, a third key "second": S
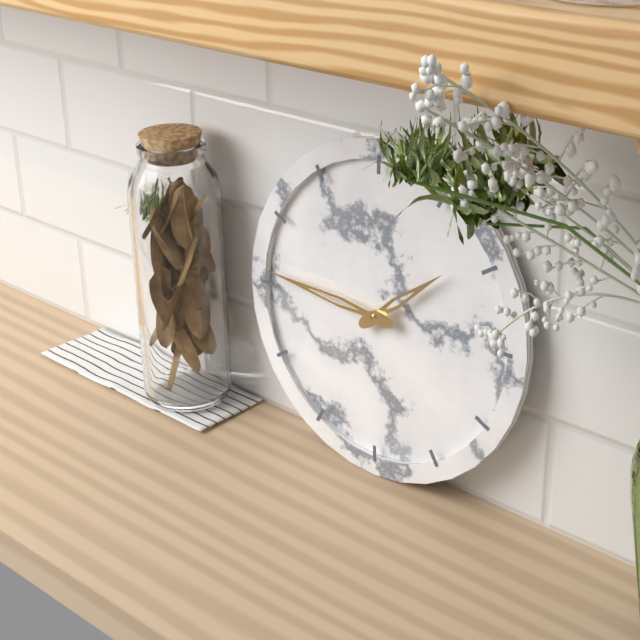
{"hour": 1, "minute": 46}
